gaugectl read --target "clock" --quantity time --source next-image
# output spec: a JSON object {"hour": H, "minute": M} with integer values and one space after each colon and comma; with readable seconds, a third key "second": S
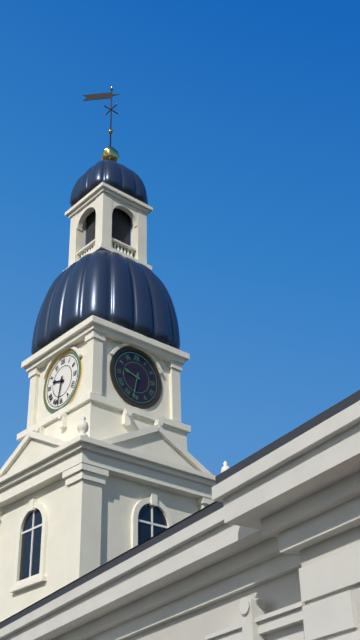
{"hour": 9, "minute": 32}
